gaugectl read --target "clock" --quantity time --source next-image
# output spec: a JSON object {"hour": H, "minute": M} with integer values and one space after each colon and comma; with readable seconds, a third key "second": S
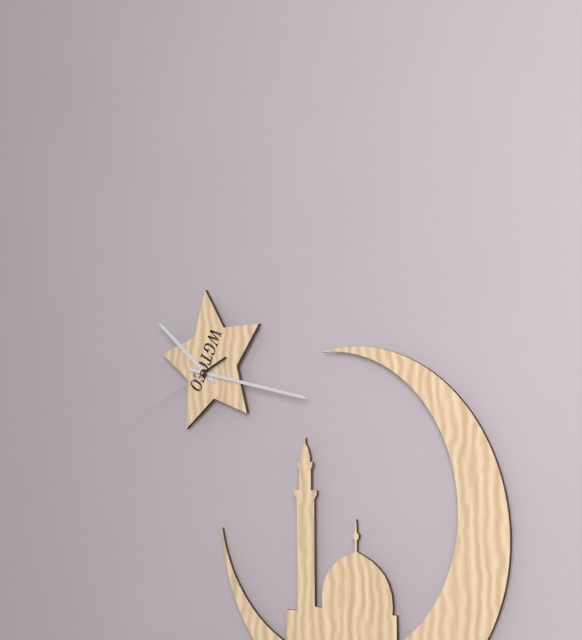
{"hour": 10, "minute": 17, "second": 41}
